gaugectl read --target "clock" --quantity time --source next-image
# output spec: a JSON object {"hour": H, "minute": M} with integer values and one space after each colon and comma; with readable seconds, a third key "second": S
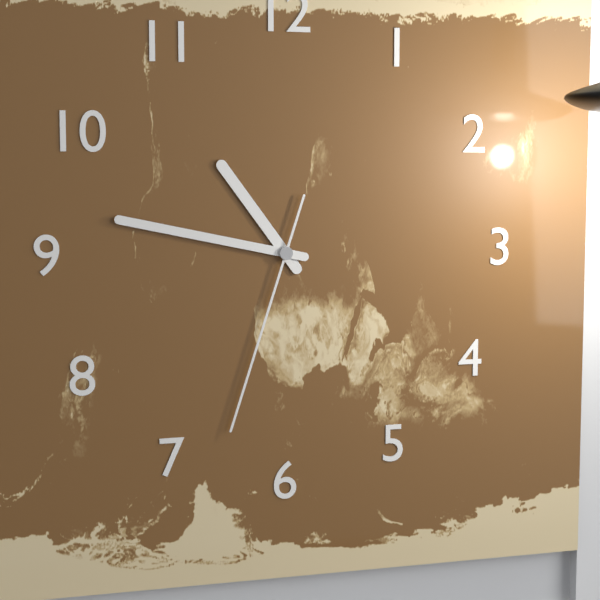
{"hour": 10, "minute": 47, "second": 33}
